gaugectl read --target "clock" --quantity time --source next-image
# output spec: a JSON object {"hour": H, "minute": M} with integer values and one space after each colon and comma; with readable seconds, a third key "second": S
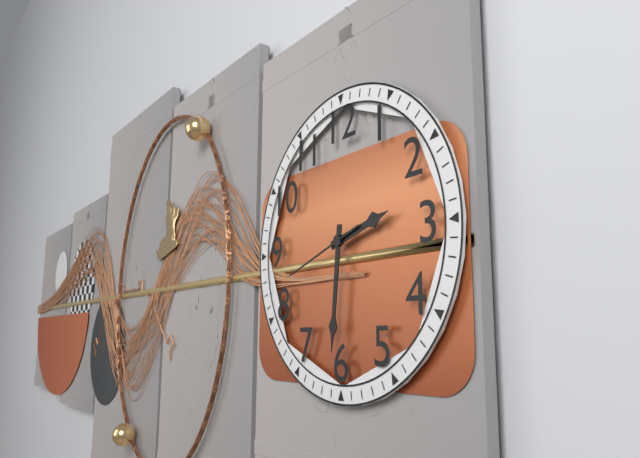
{"hour": 2, "minute": 31, "second": 42}
